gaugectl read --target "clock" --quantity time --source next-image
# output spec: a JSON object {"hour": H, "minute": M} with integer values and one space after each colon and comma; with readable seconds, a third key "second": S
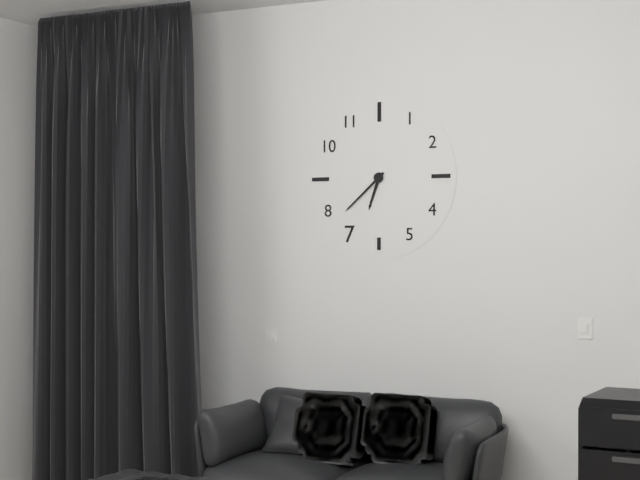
{"hour": 6, "minute": 38}
